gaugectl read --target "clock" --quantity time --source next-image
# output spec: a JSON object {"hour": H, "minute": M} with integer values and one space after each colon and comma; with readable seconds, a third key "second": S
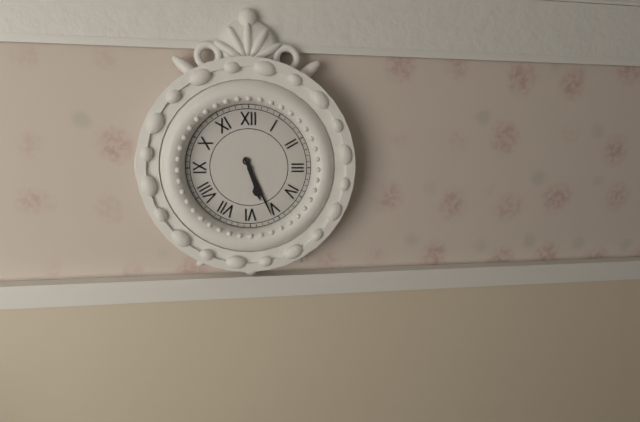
{"hour": 5, "minute": 26}
